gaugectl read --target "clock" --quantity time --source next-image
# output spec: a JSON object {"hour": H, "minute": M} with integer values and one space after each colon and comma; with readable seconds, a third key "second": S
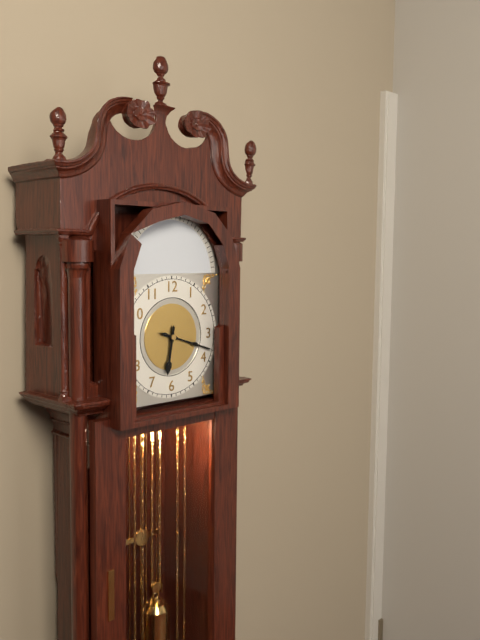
{"hour": 6, "minute": 18}
